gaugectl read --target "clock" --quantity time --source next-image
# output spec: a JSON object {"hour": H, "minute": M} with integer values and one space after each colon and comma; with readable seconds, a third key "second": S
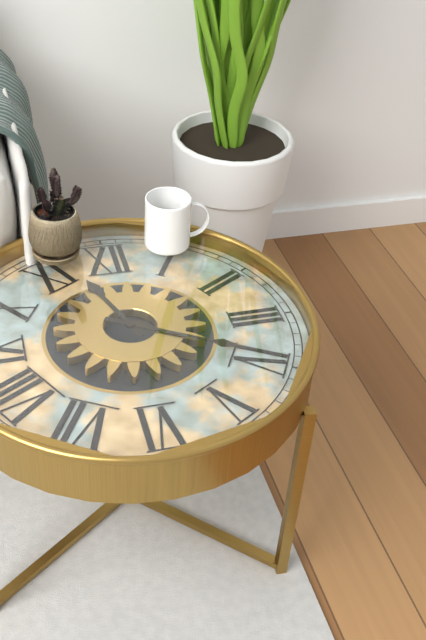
{"hour": 11, "minute": 20}
